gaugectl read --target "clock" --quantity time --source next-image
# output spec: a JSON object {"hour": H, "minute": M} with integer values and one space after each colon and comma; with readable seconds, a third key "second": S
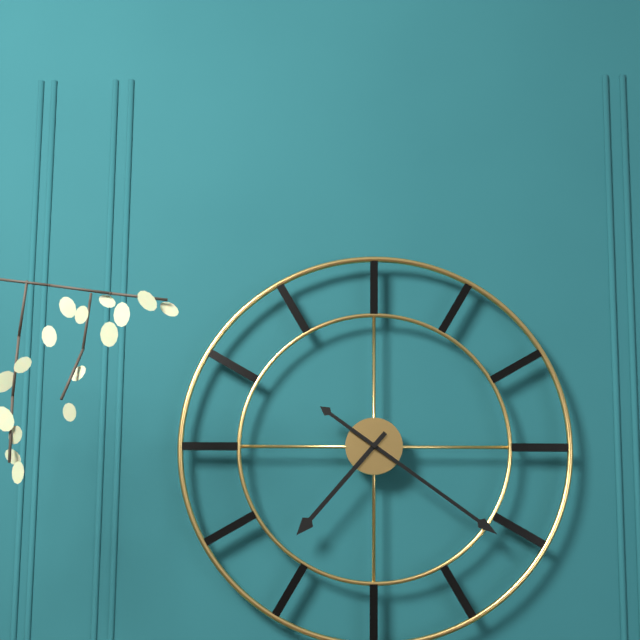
{"hour": 7, "minute": 21}
